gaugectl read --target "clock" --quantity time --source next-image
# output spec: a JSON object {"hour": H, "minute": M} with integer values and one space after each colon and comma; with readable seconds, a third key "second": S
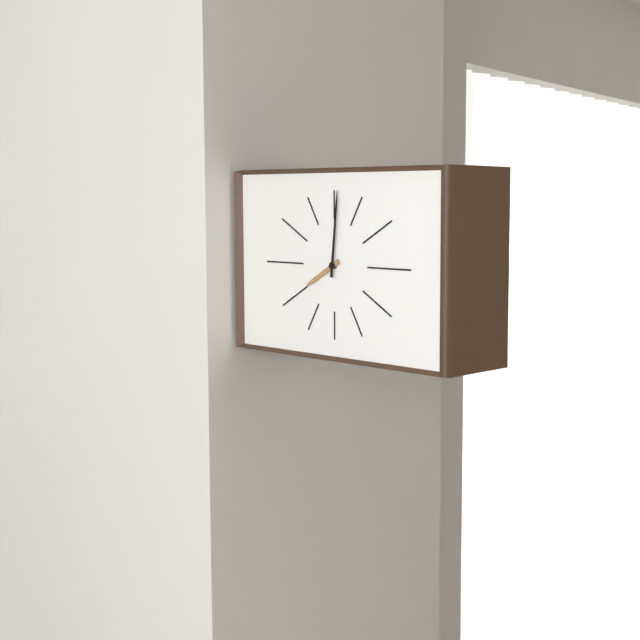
{"hour": 8, "minute": 1}
